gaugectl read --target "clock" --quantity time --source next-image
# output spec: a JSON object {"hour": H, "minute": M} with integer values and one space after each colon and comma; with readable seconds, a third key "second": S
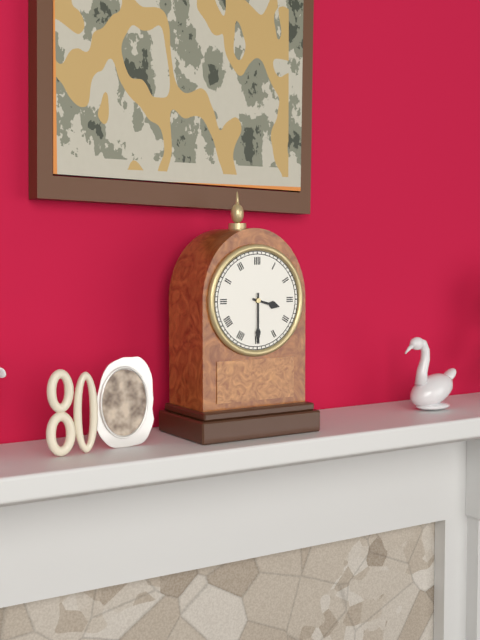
{"hour": 3, "minute": 30}
